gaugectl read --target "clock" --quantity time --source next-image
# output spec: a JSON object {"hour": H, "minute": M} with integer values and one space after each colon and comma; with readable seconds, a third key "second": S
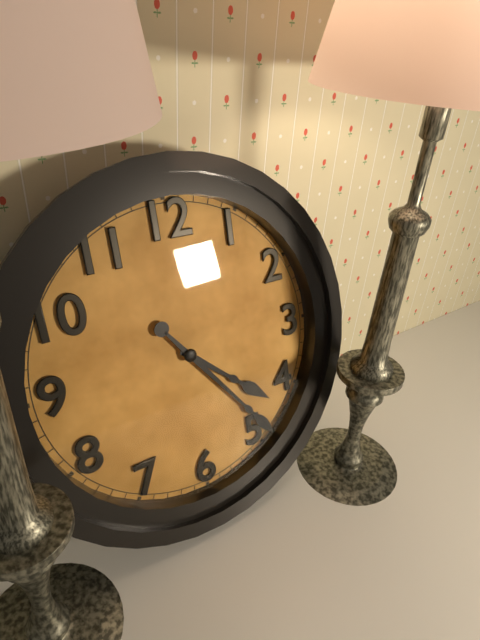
{"hour": 4, "minute": 24}
